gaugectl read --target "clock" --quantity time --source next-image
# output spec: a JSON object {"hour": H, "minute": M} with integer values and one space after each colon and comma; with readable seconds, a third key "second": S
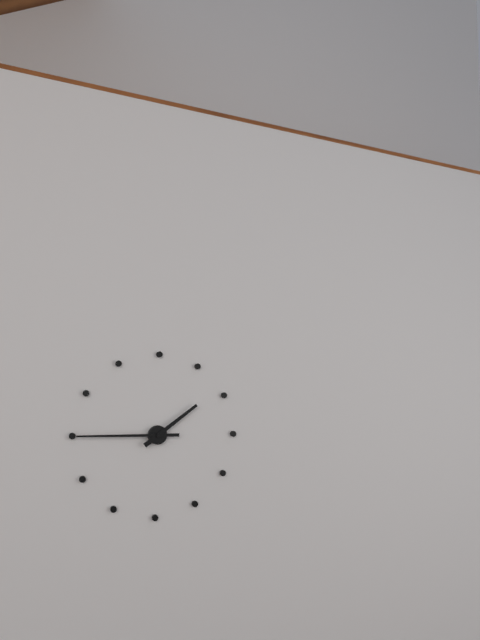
{"hour": 1, "minute": 45}
